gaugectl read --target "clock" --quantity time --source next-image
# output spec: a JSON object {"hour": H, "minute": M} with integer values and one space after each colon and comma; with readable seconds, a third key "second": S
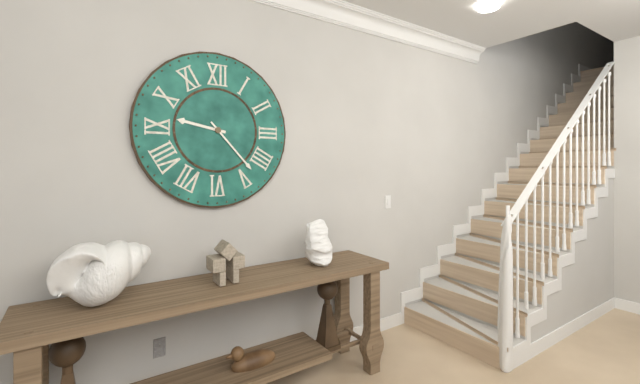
{"hour": 9, "minute": 23}
